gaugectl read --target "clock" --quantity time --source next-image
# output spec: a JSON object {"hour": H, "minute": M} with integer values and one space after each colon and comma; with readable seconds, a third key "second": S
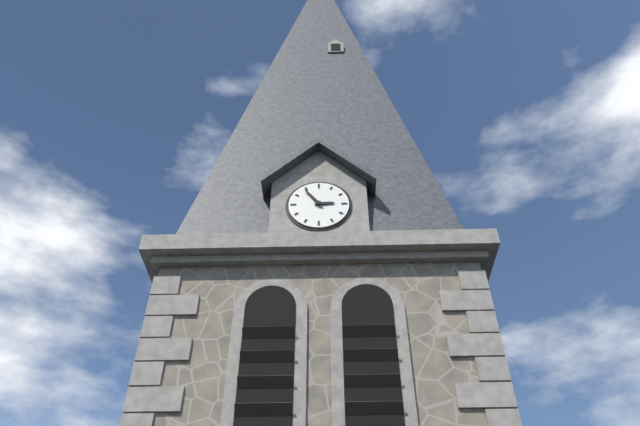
{"hour": 2, "minute": 54}
